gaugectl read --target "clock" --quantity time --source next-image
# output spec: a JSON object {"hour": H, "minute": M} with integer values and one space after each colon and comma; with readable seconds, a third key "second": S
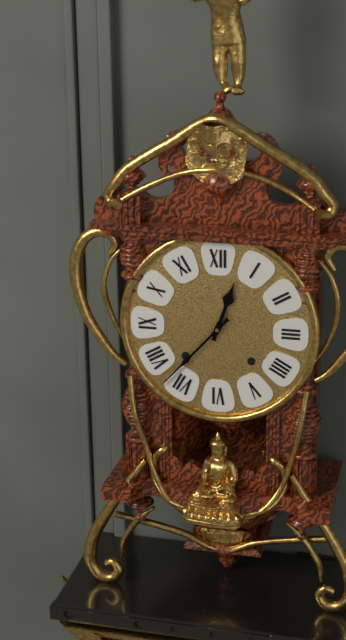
{"hour": 12, "minute": 37}
